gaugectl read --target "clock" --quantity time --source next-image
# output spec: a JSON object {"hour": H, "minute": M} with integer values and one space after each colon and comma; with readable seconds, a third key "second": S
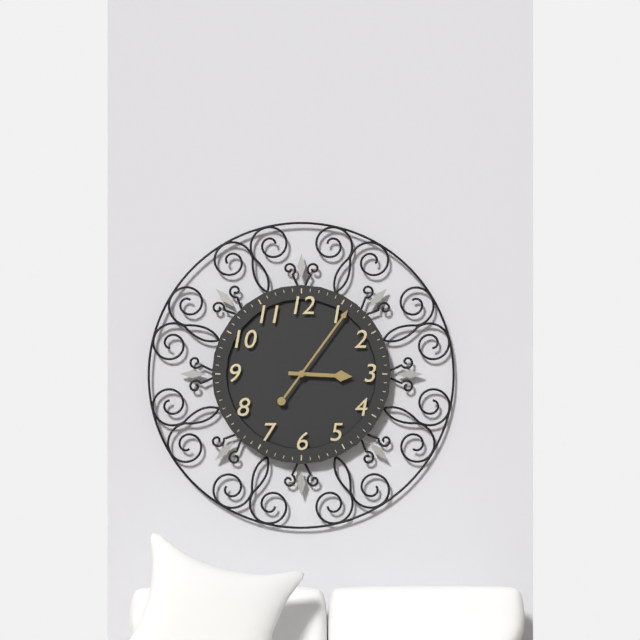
{"hour": 3, "minute": 6}
